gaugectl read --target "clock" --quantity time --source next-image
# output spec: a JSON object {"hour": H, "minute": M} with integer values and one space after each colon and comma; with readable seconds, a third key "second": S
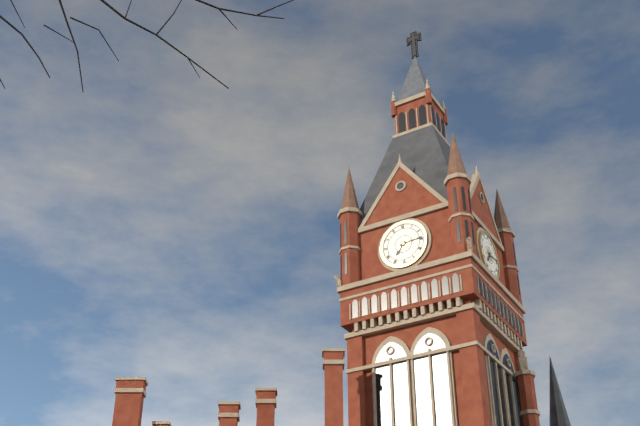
{"hour": 7, "minute": 14}
